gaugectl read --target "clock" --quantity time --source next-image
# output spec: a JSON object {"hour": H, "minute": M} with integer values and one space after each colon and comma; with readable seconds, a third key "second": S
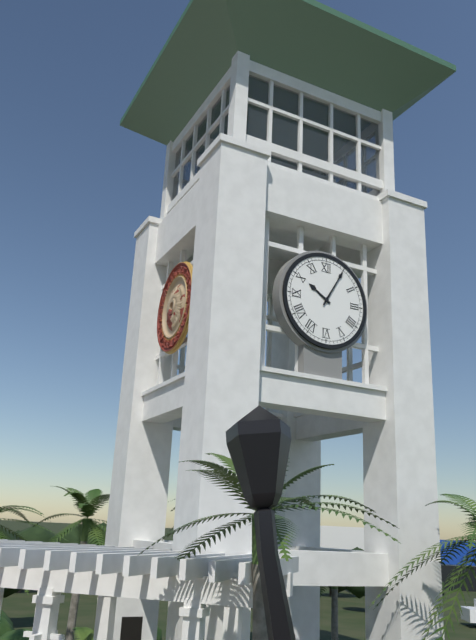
{"hour": 10, "minute": 5}
